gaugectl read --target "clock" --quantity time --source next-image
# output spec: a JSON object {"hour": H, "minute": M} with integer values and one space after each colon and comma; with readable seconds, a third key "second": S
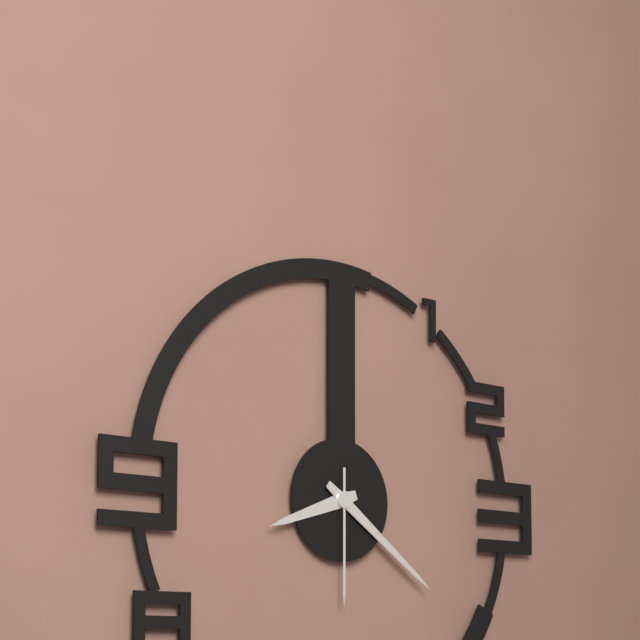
{"hour": 8, "minute": 21, "second": 30}
